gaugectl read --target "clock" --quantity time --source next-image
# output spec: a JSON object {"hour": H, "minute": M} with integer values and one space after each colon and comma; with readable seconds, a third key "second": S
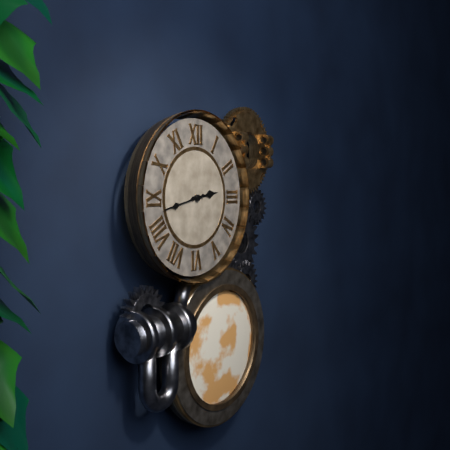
{"hour": 2, "minute": 43}
